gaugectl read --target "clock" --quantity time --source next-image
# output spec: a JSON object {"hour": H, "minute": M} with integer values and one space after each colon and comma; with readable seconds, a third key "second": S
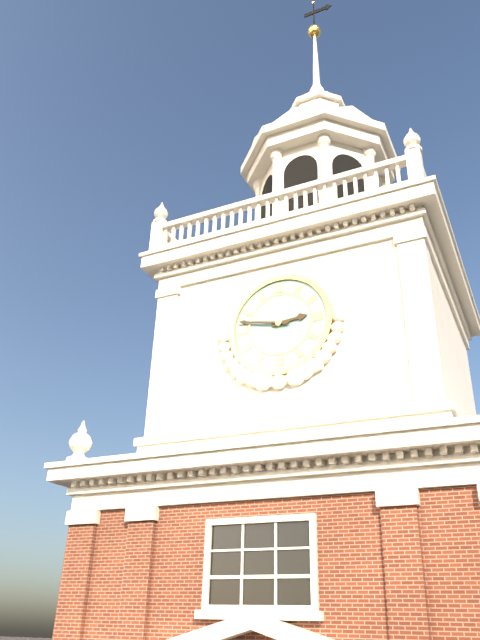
{"hour": 2, "minute": 47}
